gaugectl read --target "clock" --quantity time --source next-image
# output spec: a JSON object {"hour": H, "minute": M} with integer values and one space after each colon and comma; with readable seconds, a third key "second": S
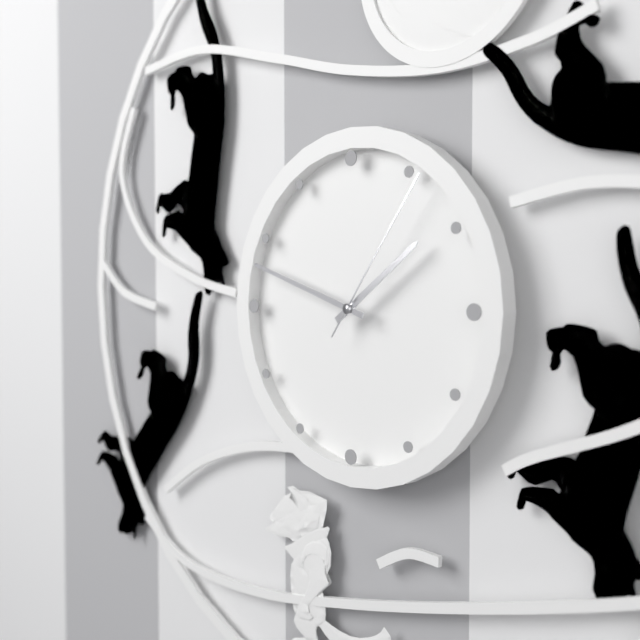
{"hour": 1, "minute": 48, "second": 6}
